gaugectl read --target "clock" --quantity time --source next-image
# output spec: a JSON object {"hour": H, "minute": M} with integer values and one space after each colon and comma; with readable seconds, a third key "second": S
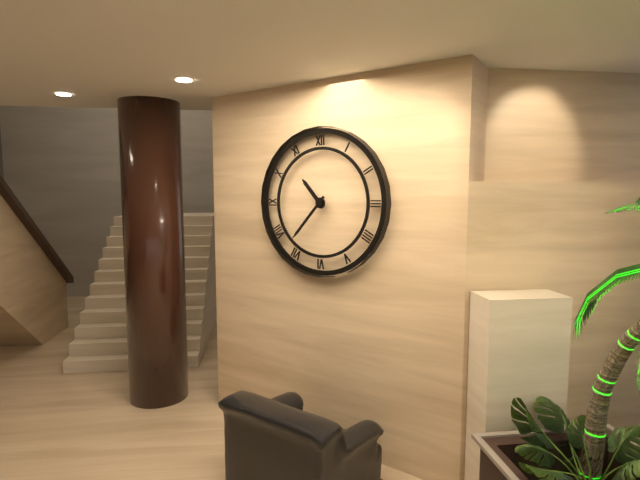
{"hour": 10, "minute": 37}
